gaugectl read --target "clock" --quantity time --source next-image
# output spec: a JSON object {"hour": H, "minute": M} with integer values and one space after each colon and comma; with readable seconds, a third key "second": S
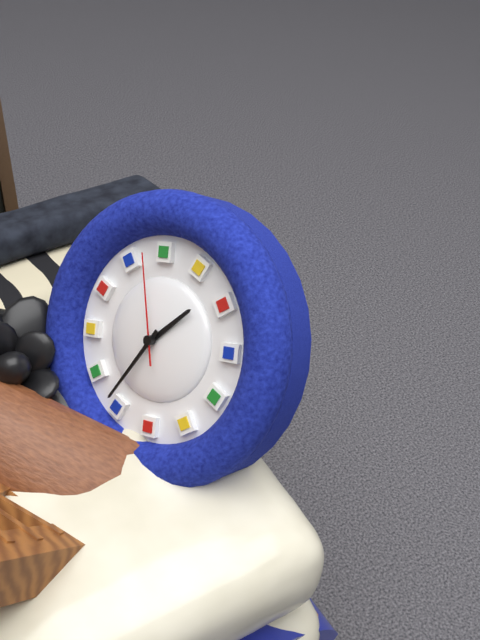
{"hour": 2, "minute": 41, "second": 3}
